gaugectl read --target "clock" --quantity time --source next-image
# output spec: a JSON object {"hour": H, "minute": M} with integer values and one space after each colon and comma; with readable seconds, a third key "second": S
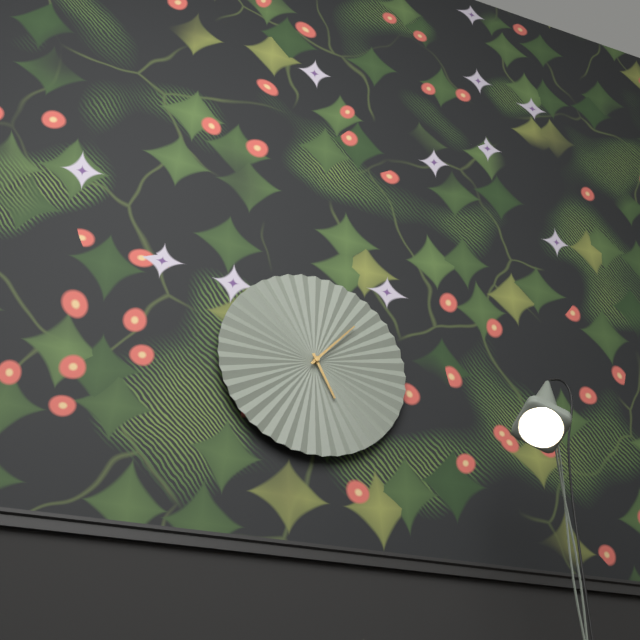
{"hour": 5, "minute": 7}
